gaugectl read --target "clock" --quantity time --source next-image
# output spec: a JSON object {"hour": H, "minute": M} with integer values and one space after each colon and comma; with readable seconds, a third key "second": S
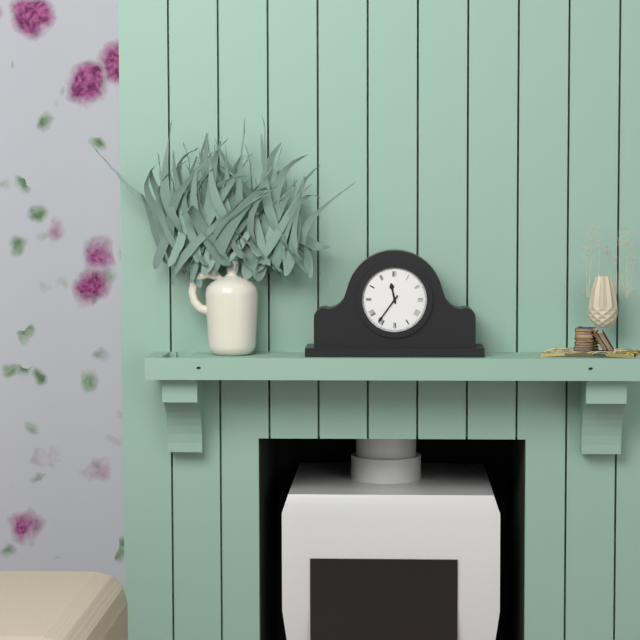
{"hour": 11, "minute": 36}
